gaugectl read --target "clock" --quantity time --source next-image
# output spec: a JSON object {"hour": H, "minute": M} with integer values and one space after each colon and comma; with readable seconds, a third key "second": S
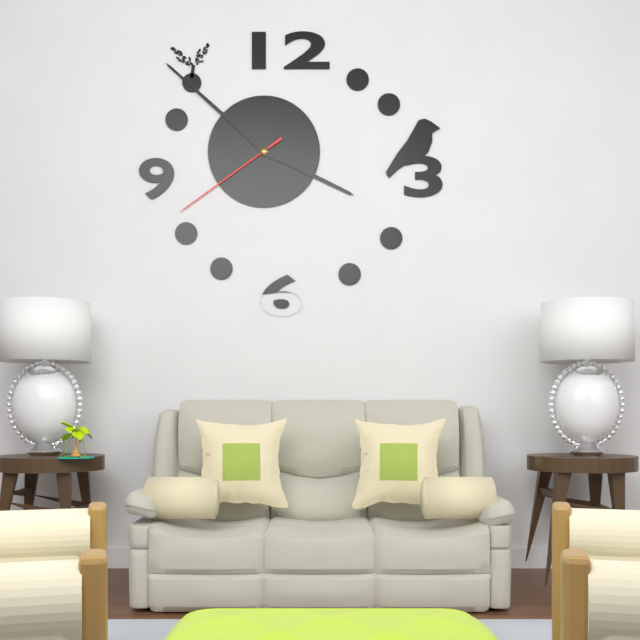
{"hour": 3, "minute": 52, "second": 39}
